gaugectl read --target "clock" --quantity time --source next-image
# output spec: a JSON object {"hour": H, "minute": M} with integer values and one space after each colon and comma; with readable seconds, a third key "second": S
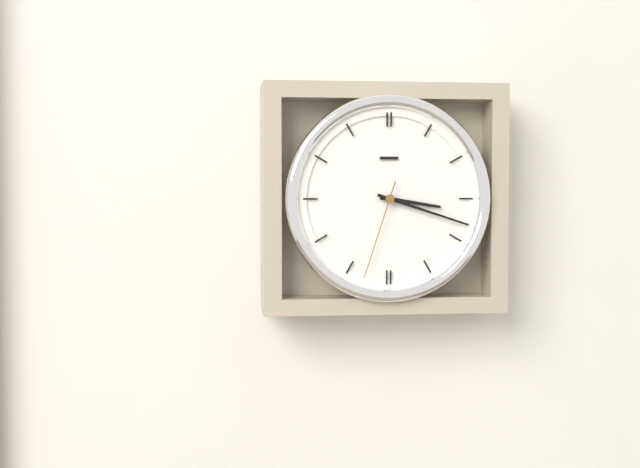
{"hour": 3, "minute": 18, "second": 33}
